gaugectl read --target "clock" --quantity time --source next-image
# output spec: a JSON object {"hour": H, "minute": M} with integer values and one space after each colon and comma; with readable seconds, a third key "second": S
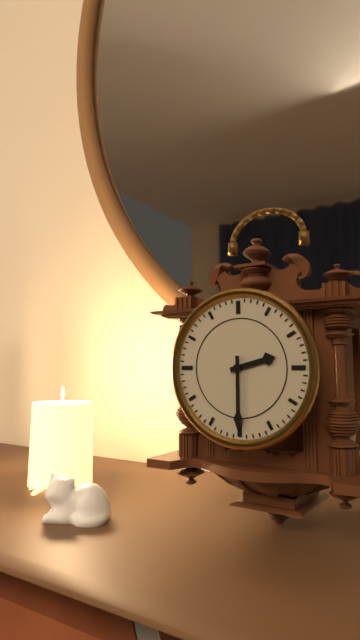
{"hour": 2, "minute": 30}
